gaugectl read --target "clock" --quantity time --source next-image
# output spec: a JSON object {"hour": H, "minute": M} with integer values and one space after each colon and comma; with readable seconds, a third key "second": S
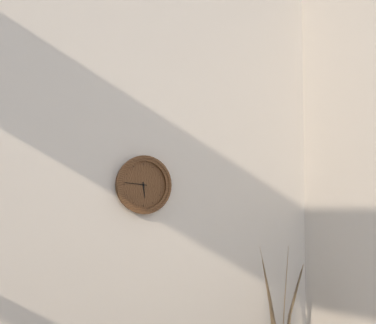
{"hour": 5, "minute": 46}
